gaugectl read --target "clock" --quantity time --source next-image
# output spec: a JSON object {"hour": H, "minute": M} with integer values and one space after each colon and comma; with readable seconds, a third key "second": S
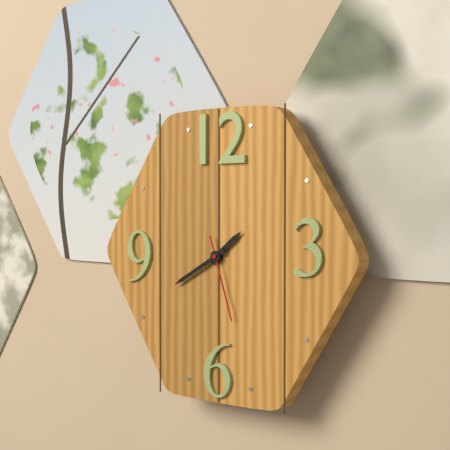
{"hour": 1, "minute": 40, "second": 27}
